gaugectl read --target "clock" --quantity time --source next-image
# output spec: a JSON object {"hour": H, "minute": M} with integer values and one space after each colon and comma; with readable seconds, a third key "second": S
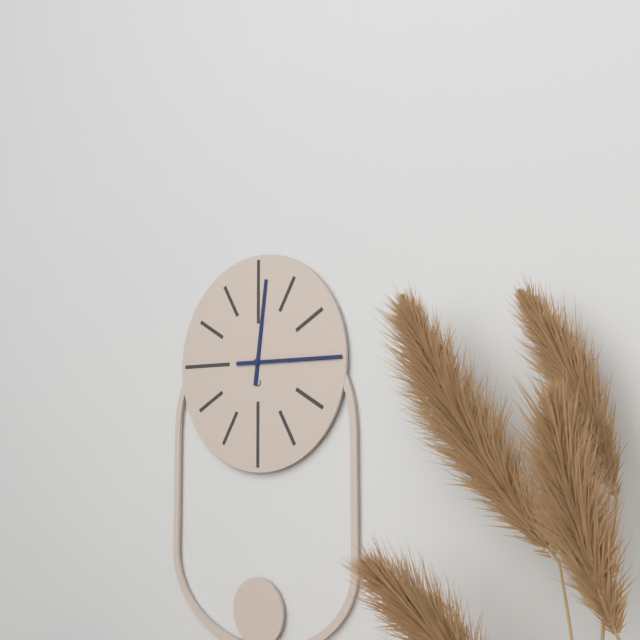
{"hour": 12, "minute": 15}
